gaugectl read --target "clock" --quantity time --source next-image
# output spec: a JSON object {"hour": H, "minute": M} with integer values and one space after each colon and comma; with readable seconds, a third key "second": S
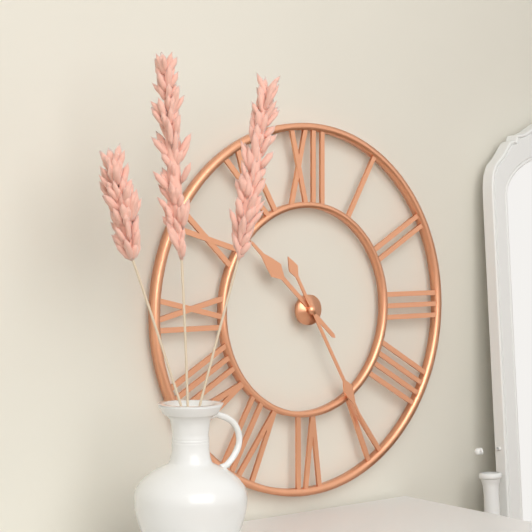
{"hour": 10, "minute": 25}
